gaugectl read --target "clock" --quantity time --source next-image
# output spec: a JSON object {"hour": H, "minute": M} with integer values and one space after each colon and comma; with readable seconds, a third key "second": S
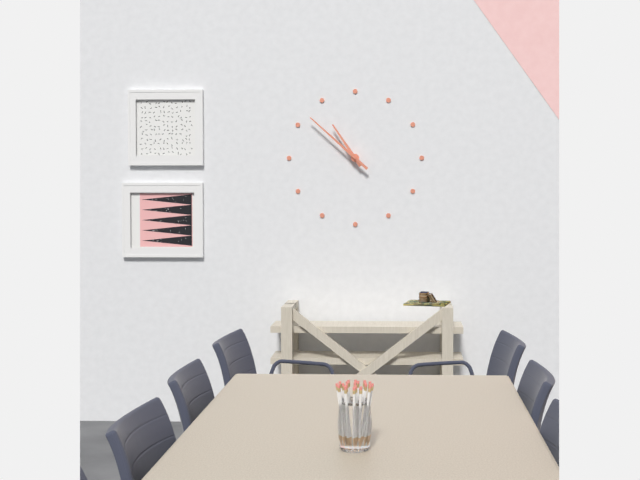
{"hour": 10, "minute": 52}
